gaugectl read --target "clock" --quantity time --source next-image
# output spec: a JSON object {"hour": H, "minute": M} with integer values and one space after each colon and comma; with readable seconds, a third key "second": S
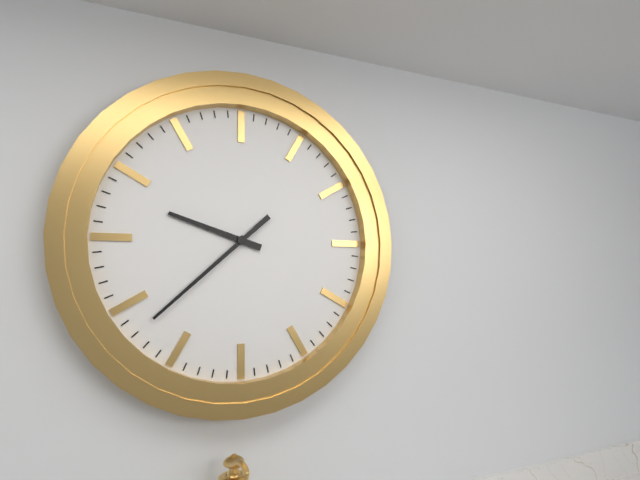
{"hour": 9, "minute": 38}
